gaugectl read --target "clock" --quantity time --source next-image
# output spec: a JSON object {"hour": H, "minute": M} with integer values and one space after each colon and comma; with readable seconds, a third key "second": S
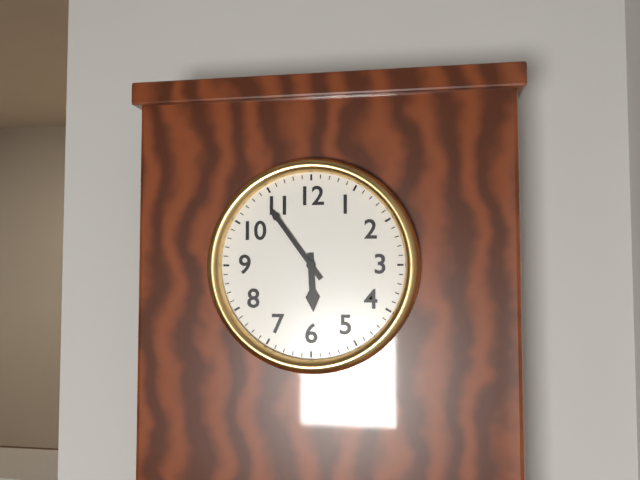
{"hour": 5, "minute": 54}
